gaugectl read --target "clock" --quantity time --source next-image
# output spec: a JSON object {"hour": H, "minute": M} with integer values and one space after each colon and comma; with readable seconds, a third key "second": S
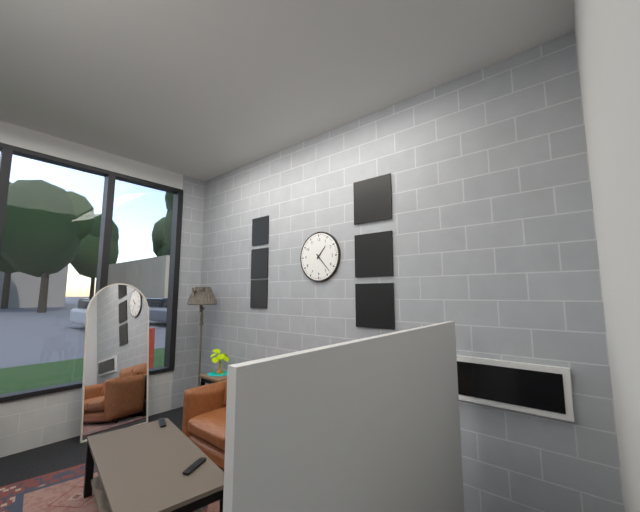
{"hour": 1, "minute": 23}
